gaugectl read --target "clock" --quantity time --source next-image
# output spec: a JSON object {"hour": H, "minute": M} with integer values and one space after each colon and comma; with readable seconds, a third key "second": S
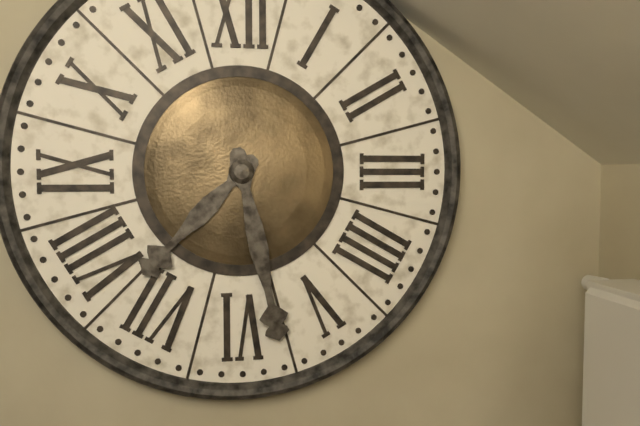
{"hour": 7, "minute": 28}
